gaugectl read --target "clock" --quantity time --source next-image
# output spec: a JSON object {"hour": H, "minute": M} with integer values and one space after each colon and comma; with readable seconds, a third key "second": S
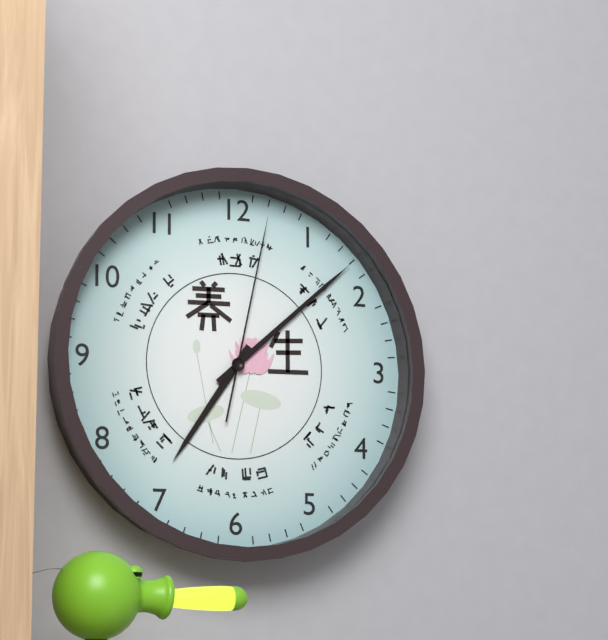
{"hour": 7, "minute": 8, "second": 2}
